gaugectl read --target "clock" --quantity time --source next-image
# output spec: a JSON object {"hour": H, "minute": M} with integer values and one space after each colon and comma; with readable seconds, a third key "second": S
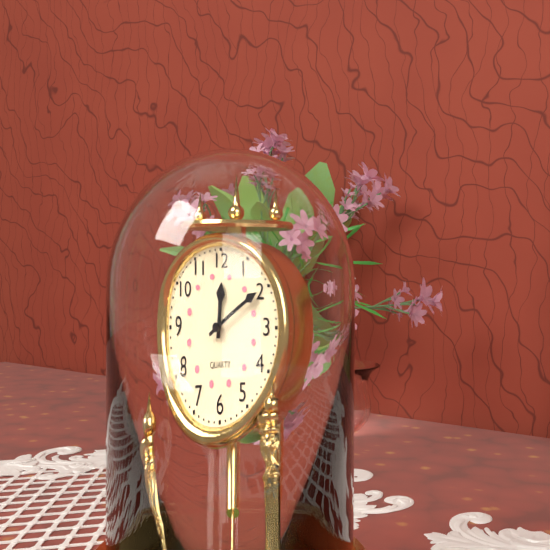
{"hour": 12, "minute": 10}
